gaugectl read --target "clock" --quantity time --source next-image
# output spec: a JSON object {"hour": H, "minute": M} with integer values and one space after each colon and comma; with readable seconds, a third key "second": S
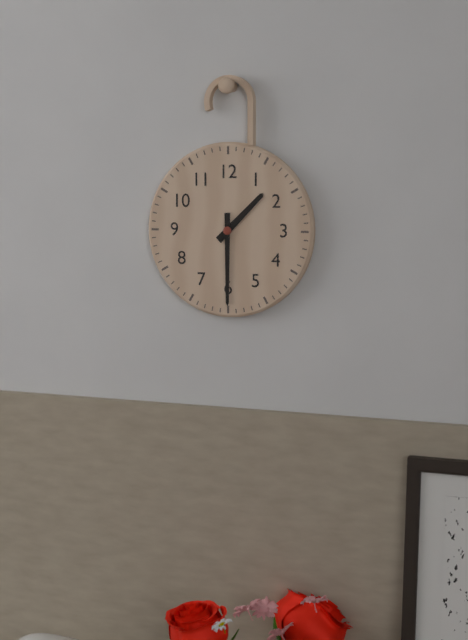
{"hour": 1, "minute": 30}
